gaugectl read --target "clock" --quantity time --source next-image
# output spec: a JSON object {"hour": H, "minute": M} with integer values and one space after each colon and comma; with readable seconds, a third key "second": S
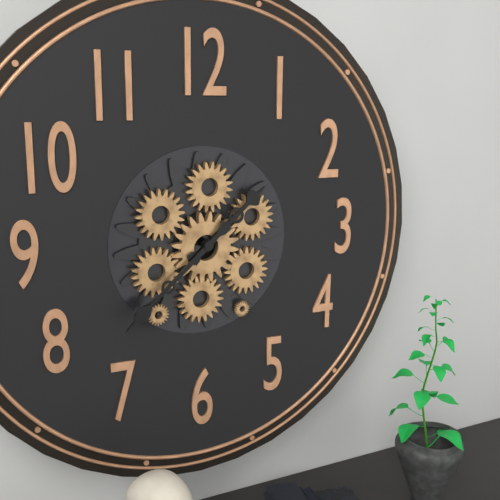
{"hour": 1, "minute": 38}
